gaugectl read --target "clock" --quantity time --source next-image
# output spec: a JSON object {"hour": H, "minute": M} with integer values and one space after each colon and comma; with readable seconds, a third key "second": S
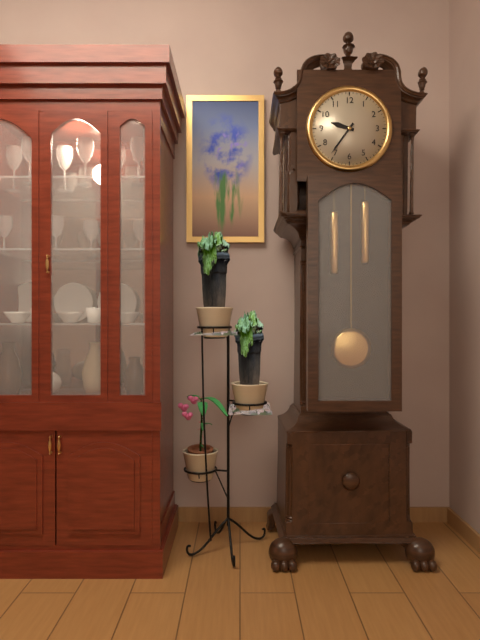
{"hour": 9, "minute": 36}
